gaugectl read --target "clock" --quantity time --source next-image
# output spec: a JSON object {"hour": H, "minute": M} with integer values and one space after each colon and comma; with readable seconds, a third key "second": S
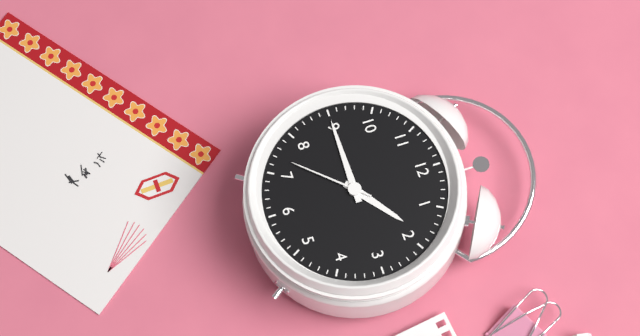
{"hour": 1, "minute": 45, "second": 37}
